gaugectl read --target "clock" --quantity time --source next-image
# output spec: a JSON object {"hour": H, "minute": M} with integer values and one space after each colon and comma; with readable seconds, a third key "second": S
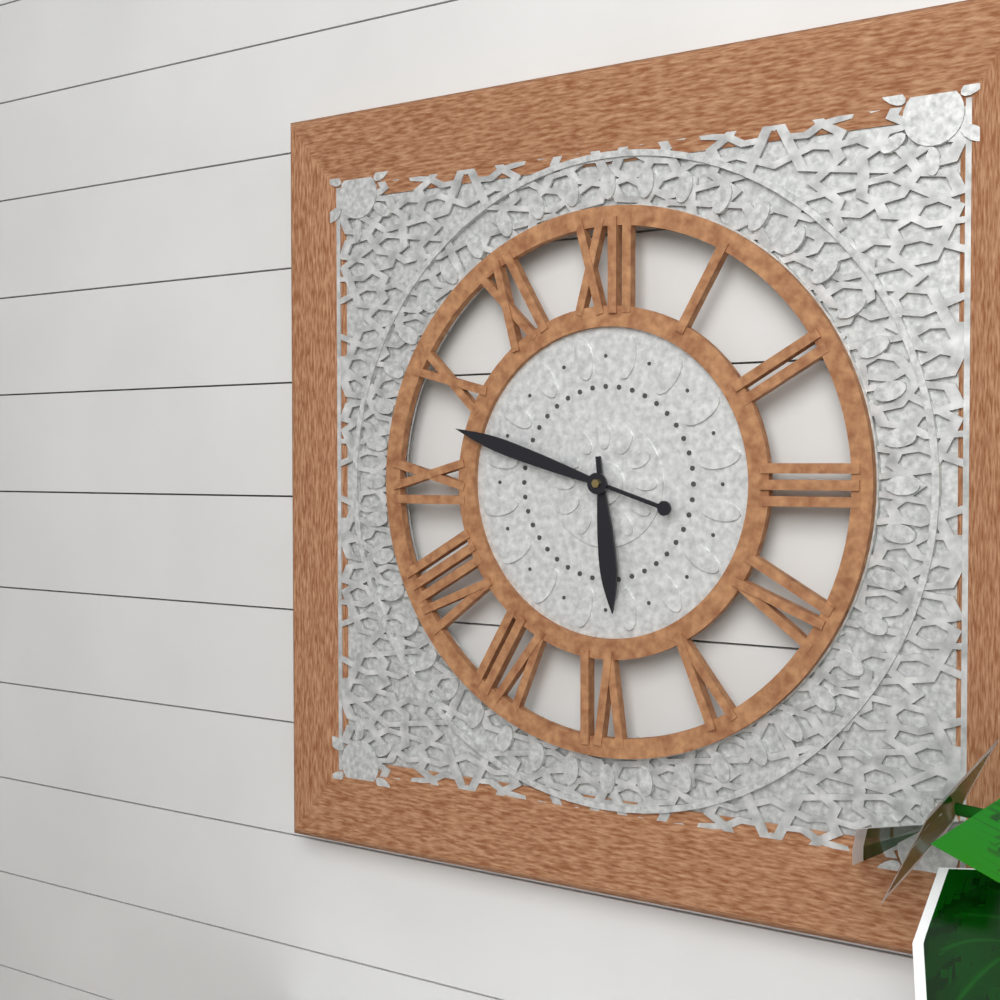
{"hour": 5, "minute": 48}
